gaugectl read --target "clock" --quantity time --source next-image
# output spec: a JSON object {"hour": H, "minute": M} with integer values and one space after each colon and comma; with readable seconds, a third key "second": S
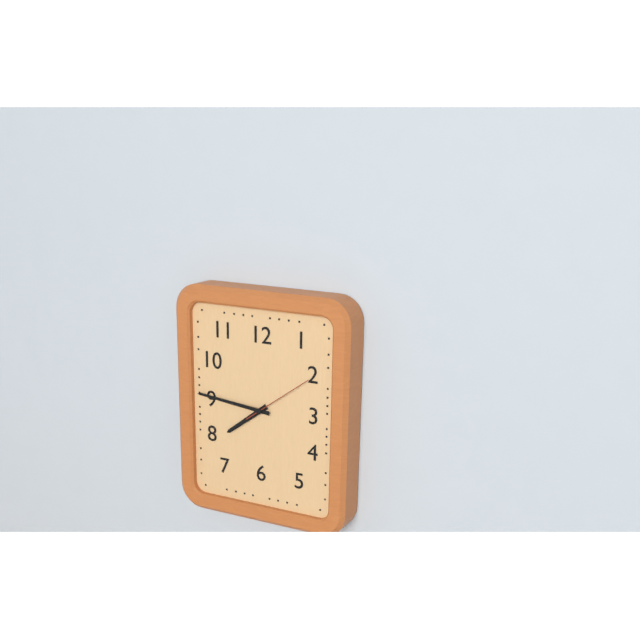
{"hour": 7, "minute": 46, "second": 9}
